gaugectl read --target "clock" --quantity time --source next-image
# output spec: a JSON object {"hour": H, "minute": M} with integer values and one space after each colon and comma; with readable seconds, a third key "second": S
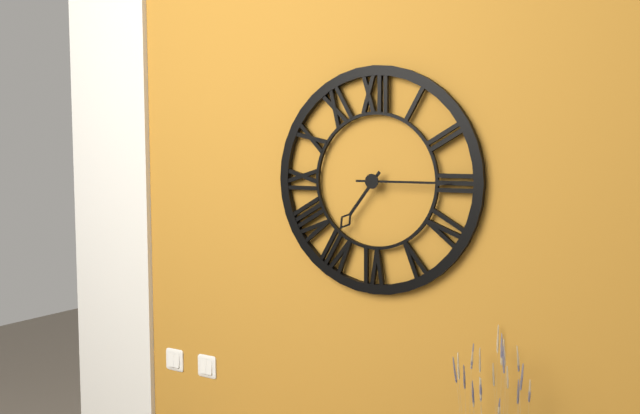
{"hour": 7, "minute": 15}
